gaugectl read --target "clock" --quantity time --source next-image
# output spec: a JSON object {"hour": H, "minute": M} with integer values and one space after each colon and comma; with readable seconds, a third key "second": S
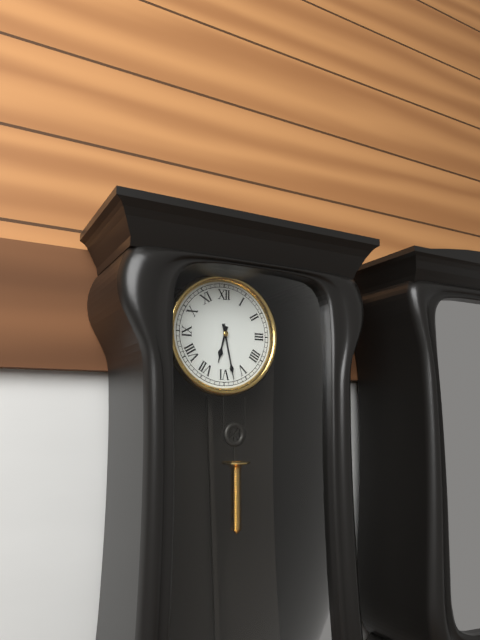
{"hour": 6, "minute": 28}
